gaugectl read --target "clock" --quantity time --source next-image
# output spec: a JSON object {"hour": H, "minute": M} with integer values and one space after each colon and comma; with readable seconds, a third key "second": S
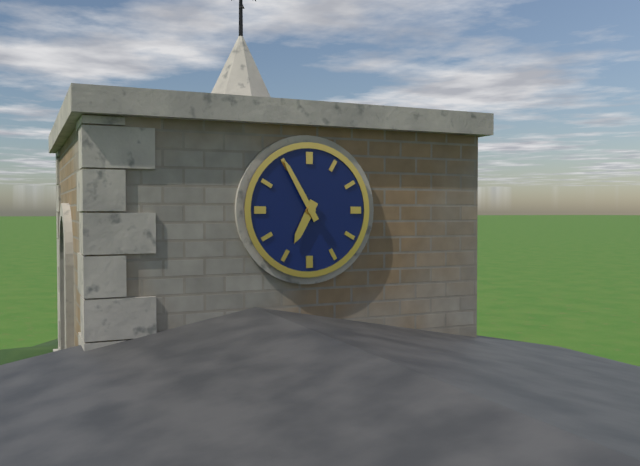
{"hour": 6, "minute": 55}
